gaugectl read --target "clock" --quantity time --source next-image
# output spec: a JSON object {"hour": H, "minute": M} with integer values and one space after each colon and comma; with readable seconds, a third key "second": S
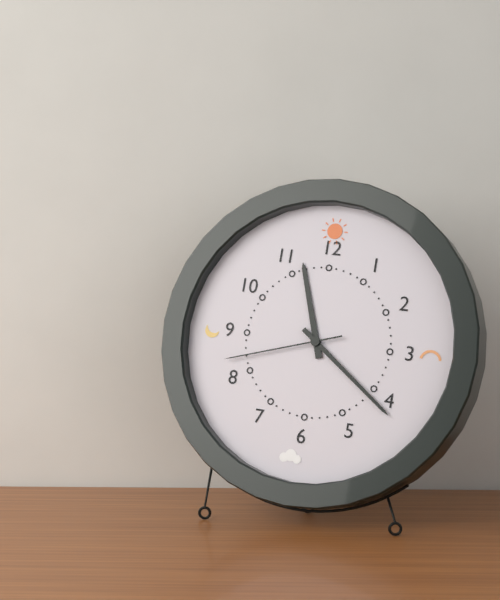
{"hour": 11, "minute": 21, "second": 42}
